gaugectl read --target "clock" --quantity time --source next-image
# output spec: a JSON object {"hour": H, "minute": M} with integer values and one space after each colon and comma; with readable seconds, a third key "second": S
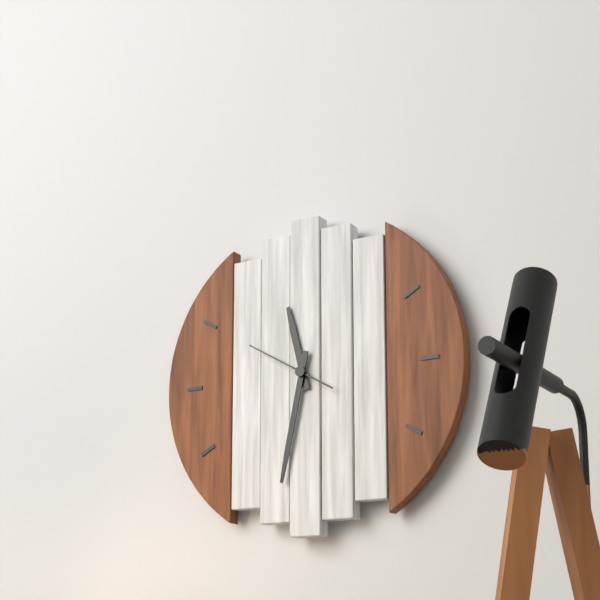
{"hour": 11, "minute": 32, "second": 50}
